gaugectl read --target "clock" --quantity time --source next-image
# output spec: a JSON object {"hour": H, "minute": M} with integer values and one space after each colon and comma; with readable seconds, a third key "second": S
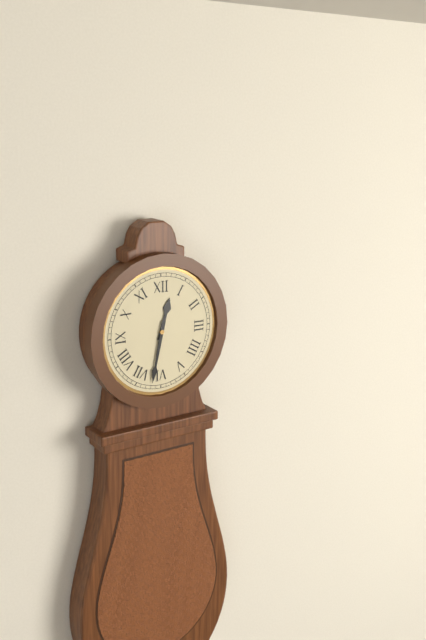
{"hour": 12, "minute": 32}
